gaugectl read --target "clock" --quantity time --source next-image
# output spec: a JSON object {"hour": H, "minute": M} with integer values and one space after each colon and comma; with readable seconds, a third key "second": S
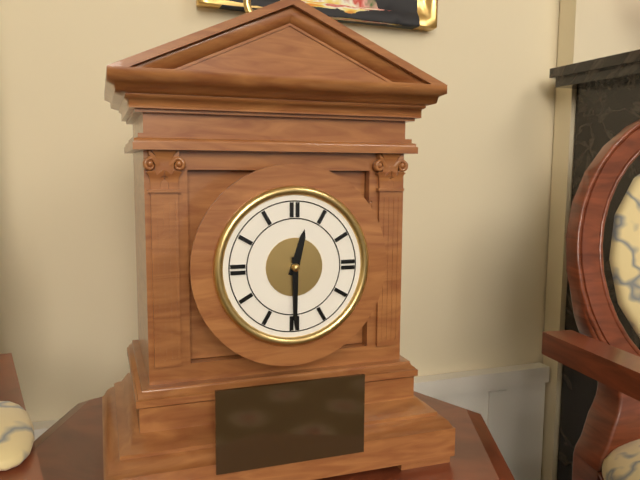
{"hour": 12, "minute": 30}
